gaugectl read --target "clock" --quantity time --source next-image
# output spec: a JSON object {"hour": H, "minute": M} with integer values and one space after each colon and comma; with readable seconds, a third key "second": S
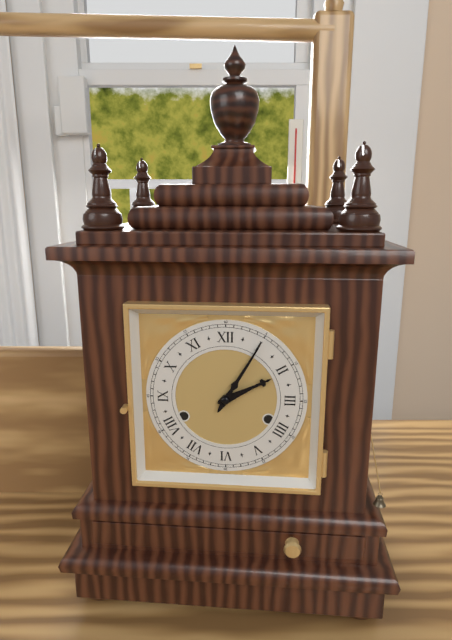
{"hour": 2, "minute": 5}
